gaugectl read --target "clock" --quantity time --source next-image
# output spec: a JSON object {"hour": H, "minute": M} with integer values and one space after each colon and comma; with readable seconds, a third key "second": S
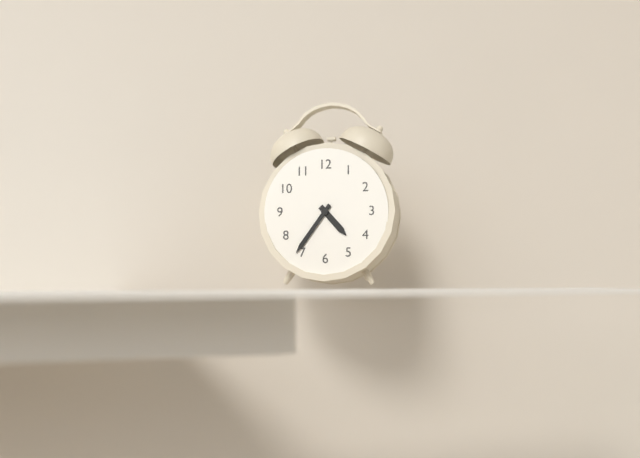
{"hour": 4, "minute": 36}
